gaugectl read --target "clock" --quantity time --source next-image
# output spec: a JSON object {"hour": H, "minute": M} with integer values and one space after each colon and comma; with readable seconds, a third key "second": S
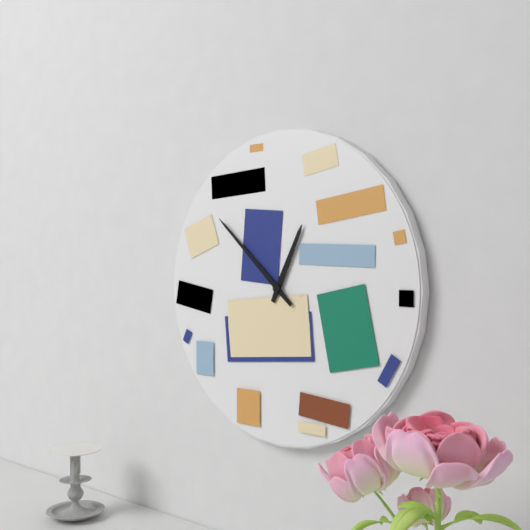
{"hour": 12, "minute": 52}
